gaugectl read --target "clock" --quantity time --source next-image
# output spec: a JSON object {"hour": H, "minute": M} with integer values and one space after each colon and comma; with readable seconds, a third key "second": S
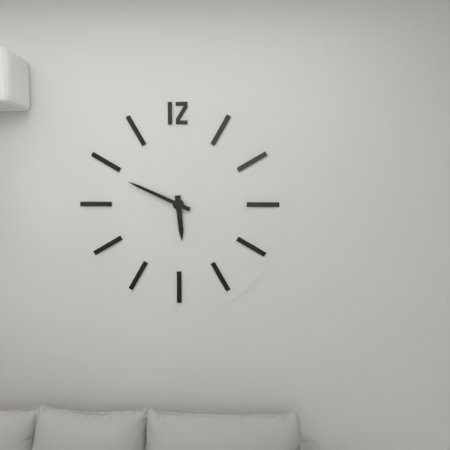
{"hour": 5, "minute": 49}
